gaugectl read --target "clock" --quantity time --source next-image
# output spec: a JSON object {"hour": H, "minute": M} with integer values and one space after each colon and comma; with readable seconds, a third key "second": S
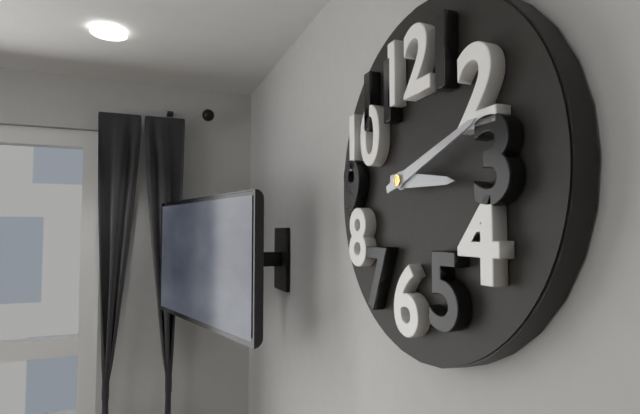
{"hour": 3, "minute": 12}
